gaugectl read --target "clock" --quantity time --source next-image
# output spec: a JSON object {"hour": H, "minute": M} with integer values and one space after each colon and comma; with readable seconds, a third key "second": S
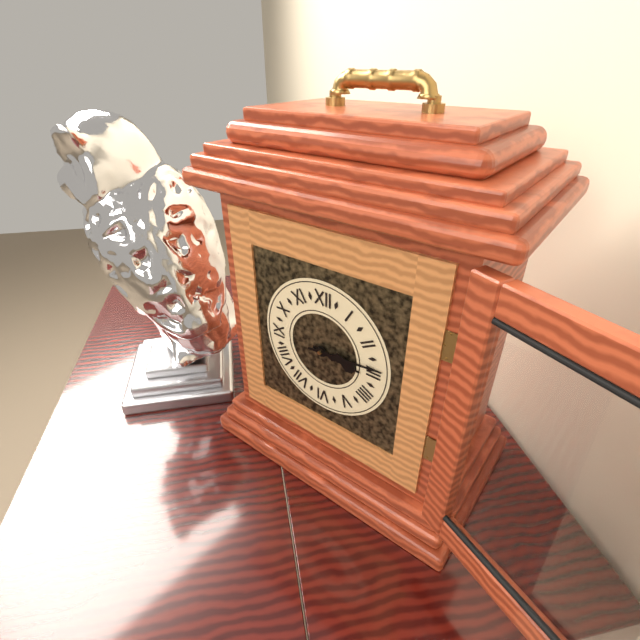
{"hour": 3, "minute": 14}
